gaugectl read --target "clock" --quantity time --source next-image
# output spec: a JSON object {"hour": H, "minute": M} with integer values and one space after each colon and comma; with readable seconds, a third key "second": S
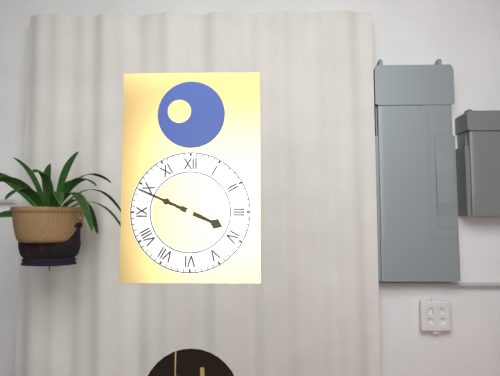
{"hour": 3, "minute": 49}
